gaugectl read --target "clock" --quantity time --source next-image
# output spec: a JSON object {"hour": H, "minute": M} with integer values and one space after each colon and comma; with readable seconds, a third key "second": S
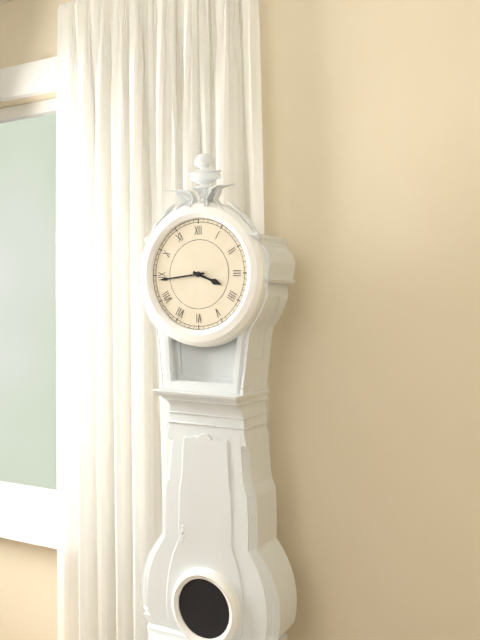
{"hour": 3, "minute": 44}
